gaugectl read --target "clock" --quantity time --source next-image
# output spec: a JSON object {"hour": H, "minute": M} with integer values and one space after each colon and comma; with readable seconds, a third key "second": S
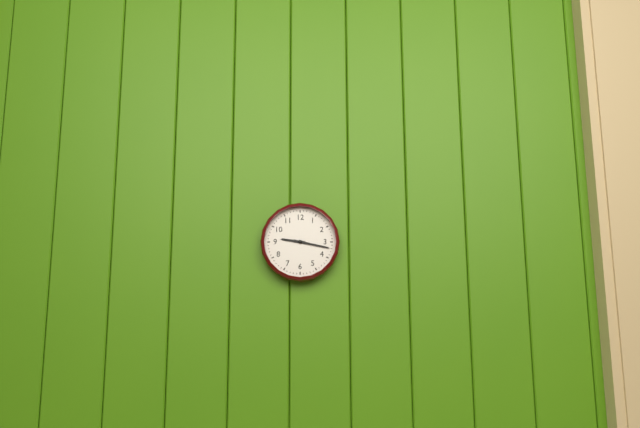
{"hour": 9, "minute": 17}
